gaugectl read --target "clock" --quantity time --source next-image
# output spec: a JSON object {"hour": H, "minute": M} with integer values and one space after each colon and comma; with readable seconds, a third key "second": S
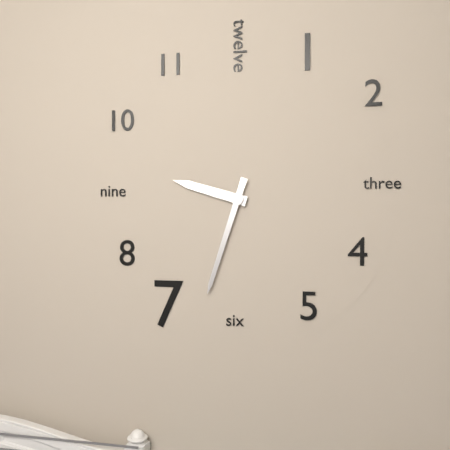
{"hour": 9, "minute": 33}
